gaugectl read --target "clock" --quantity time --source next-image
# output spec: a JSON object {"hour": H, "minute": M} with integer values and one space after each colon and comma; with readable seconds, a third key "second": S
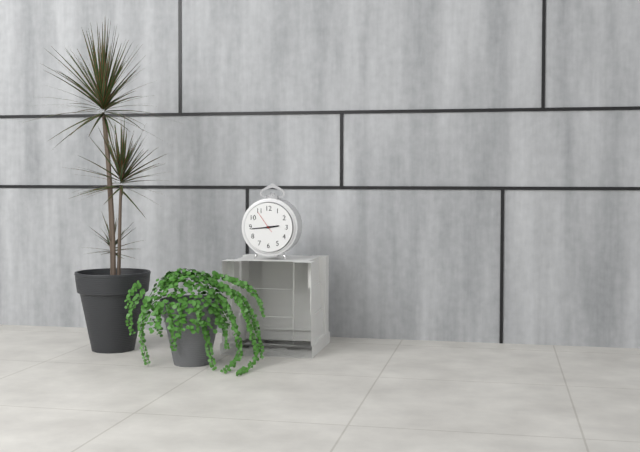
{"hour": 2, "minute": 44}
